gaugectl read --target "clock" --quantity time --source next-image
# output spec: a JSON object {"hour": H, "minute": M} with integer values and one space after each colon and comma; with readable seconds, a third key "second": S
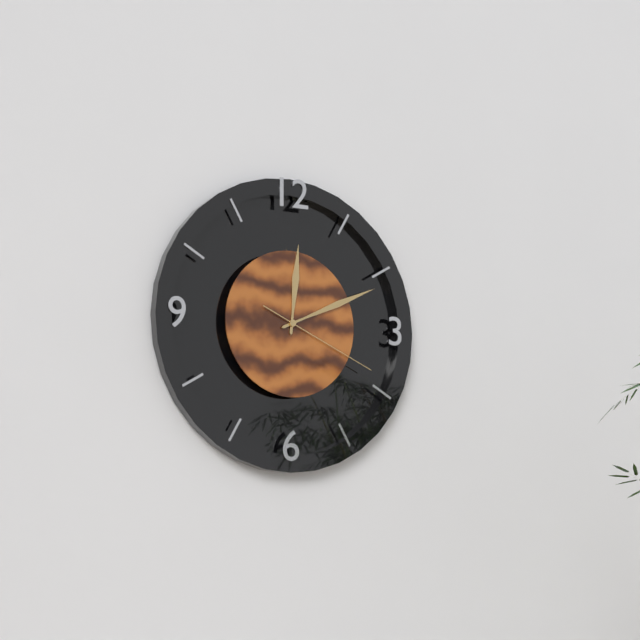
{"hour": 12, "minute": 11, "second": 19}
